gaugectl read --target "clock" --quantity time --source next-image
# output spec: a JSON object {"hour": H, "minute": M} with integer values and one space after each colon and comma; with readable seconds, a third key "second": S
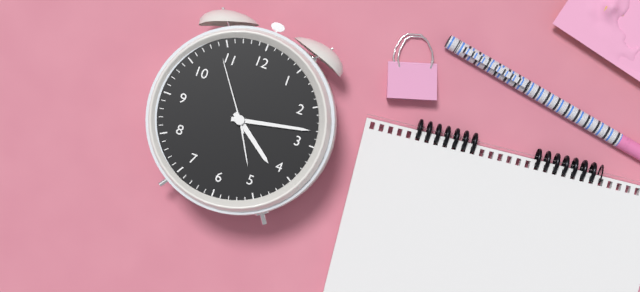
{"hour": 4, "minute": 13, "second": 54}
